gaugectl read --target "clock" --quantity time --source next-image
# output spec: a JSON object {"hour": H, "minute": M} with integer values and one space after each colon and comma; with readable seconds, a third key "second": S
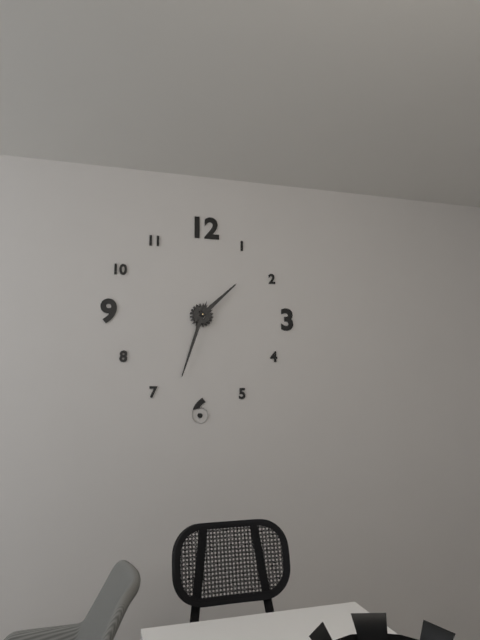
{"hour": 1, "minute": 33}
